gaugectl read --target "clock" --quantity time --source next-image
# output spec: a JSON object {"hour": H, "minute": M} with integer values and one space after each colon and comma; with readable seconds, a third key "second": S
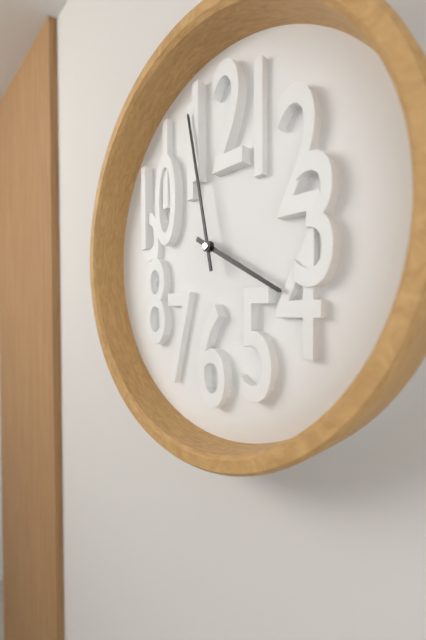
{"hour": 3, "minute": 58}
